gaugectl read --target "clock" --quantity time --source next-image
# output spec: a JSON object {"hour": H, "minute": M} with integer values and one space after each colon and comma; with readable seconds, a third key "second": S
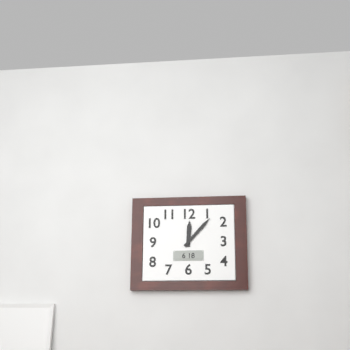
{"hour": 12, "minute": 7}
